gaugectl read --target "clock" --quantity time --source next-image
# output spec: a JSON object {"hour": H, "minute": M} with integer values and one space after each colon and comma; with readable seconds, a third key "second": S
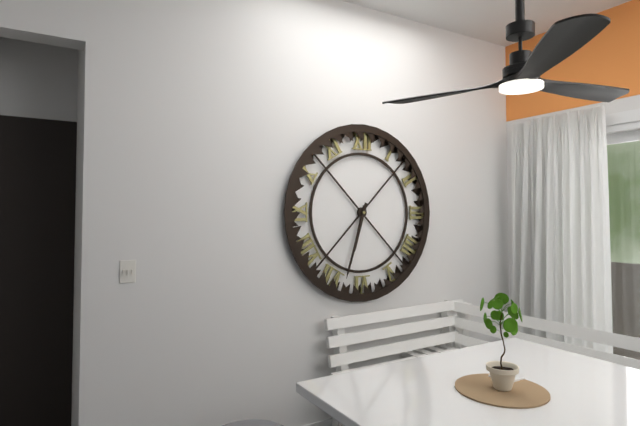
{"hour": 6, "minute": 33}
